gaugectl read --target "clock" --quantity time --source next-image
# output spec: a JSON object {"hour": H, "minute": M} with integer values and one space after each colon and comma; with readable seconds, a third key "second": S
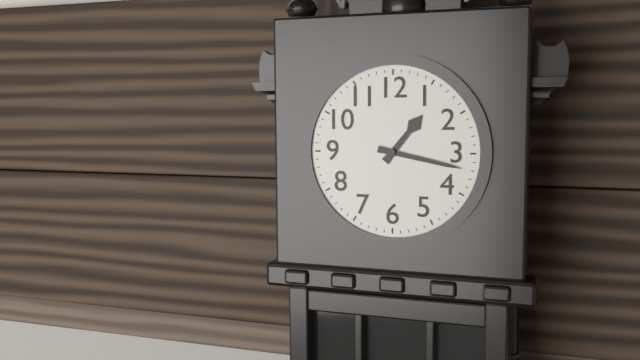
{"hour": 1, "minute": 17}
